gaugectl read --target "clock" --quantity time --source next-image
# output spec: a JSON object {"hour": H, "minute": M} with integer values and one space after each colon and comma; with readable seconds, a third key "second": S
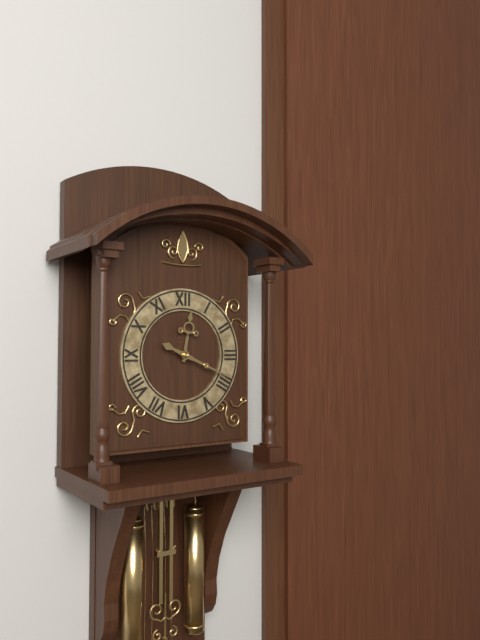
{"hour": 12, "minute": 19}
